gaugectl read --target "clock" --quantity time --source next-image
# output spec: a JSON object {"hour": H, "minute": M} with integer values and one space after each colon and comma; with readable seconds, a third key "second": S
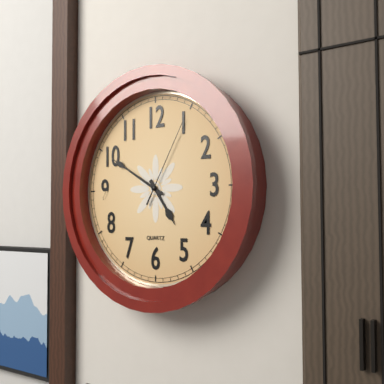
{"hour": 4, "minute": 50, "second": 5}
